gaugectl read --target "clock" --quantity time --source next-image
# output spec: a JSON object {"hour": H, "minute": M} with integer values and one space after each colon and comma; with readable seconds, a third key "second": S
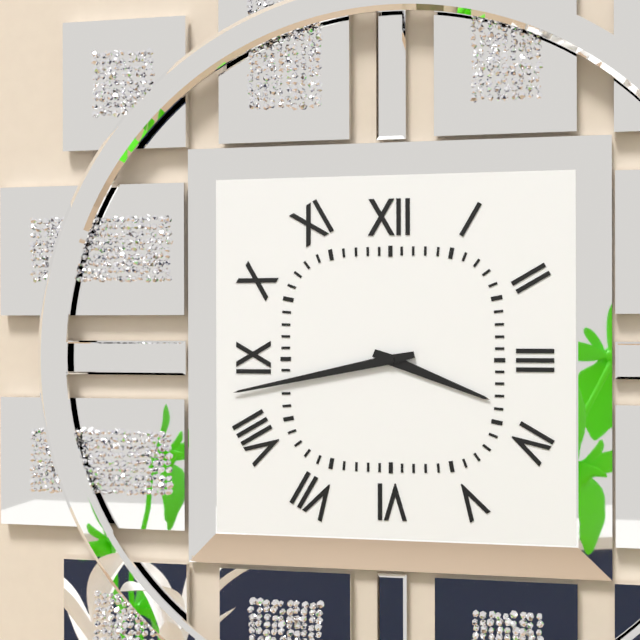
{"hour": 3, "minute": 43}
